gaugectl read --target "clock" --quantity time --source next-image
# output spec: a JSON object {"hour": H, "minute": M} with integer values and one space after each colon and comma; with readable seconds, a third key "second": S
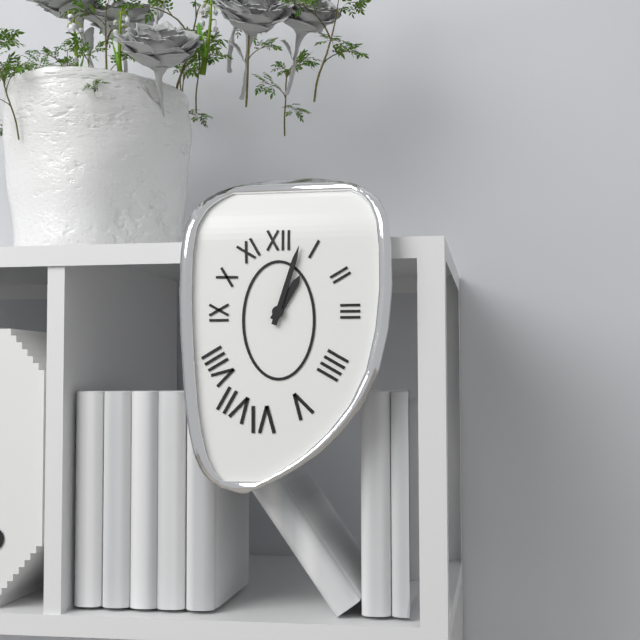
{"hour": 1, "minute": 3}
